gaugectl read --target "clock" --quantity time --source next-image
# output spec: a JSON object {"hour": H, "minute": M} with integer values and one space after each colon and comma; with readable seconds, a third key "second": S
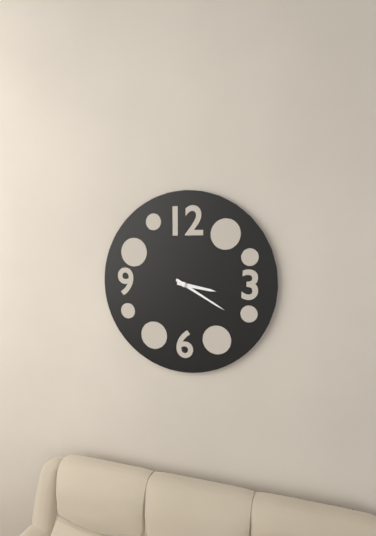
{"hour": 3, "minute": 20}
